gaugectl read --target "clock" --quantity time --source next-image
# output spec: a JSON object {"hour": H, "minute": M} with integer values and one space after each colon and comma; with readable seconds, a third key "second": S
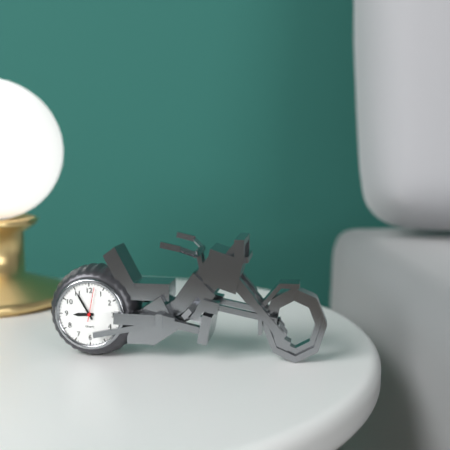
{"hour": 8, "minute": 55}
